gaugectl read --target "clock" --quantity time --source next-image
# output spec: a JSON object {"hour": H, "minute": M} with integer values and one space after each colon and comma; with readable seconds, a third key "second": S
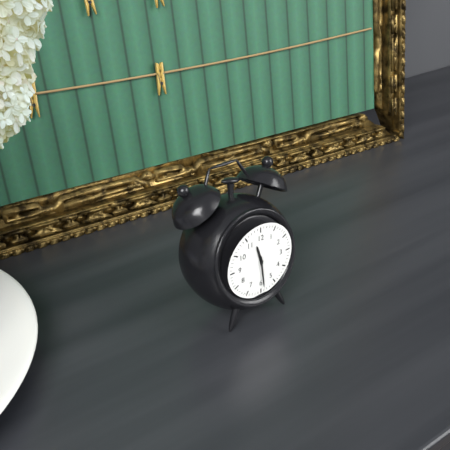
{"hour": 11, "minute": 29}
